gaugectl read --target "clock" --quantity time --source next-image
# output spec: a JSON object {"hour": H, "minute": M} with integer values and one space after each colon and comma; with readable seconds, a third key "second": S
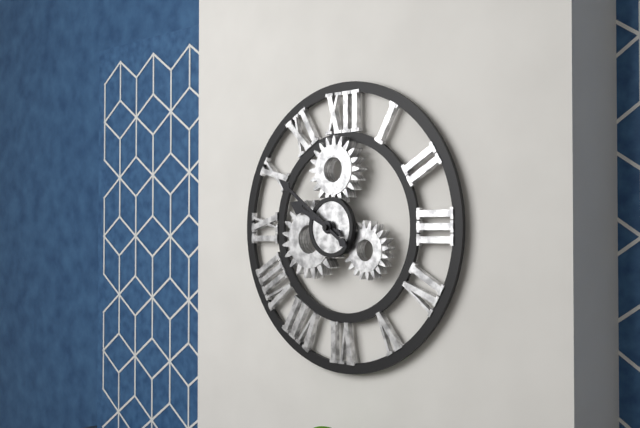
{"hour": 9, "minute": 51}
